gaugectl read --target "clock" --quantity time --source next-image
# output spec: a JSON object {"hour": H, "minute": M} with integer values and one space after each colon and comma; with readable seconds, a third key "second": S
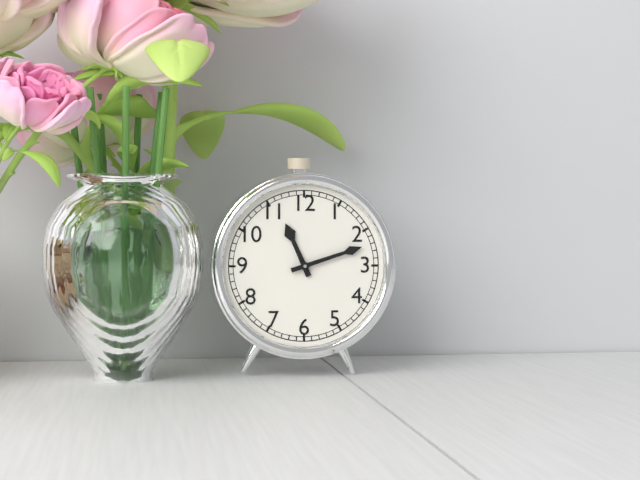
{"hour": 11, "minute": 12}
